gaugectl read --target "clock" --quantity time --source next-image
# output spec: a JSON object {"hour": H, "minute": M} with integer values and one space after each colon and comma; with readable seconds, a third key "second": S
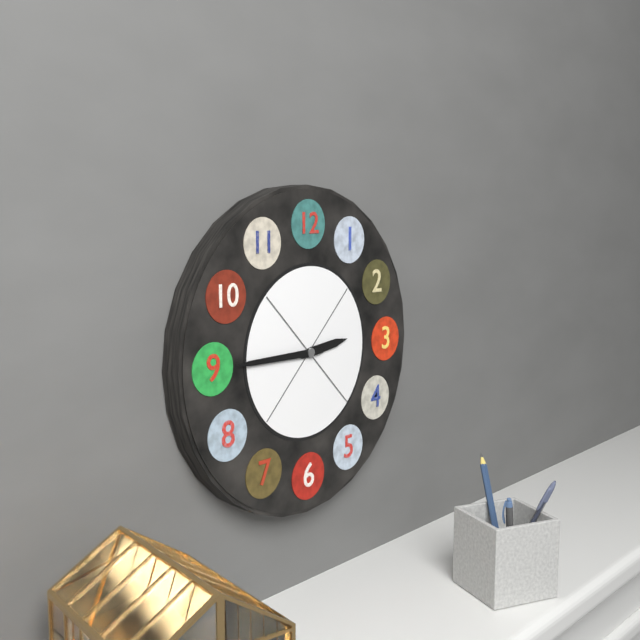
{"hour": 2, "minute": 45}
